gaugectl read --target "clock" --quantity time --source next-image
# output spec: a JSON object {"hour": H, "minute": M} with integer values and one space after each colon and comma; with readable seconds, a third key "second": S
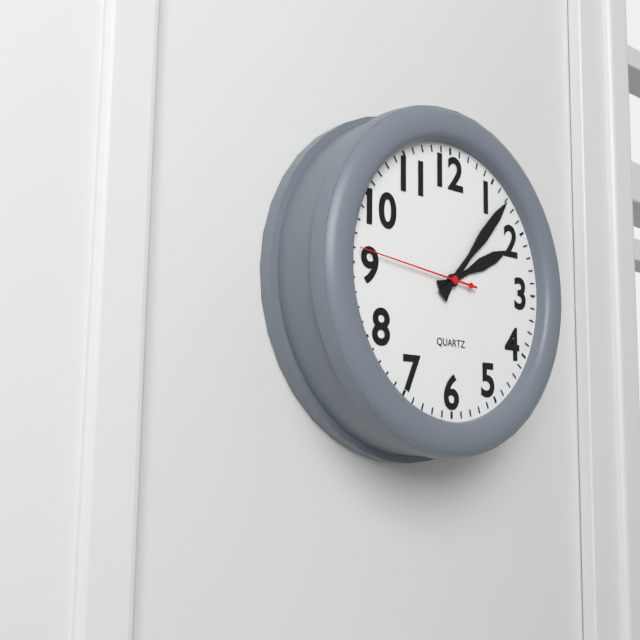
{"hour": 2, "minute": 7, "second": 46}
